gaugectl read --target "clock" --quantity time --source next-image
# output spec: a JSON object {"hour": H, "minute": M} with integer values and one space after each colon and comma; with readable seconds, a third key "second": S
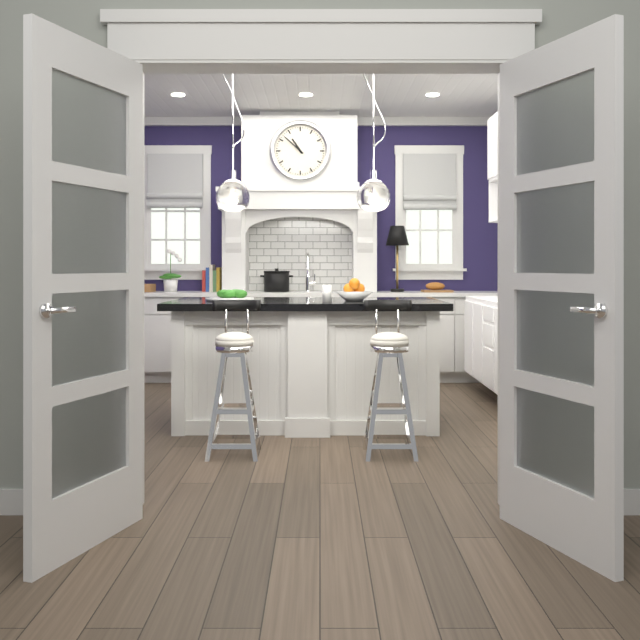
{"hour": 10, "minute": 52}
